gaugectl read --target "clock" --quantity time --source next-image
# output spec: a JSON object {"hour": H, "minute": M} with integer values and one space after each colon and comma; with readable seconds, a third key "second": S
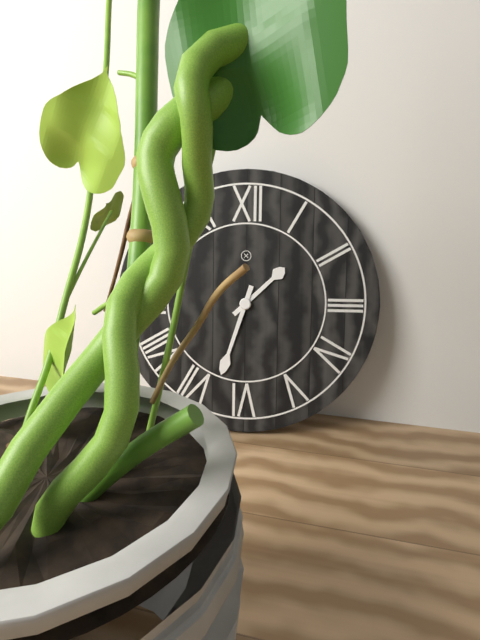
{"hour": 1, "minute": 33}
